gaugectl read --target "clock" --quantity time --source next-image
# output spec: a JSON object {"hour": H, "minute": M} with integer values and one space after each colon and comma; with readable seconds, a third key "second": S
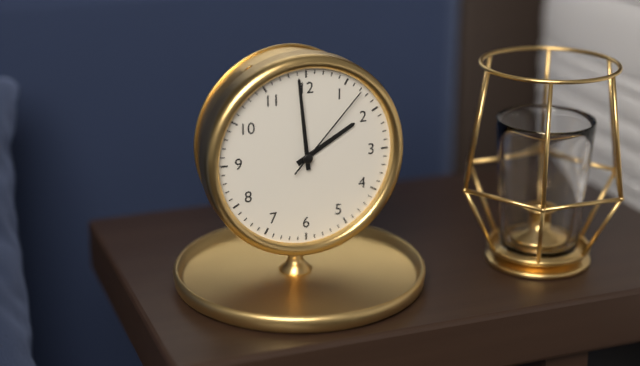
{"hour": 1, "minute": 59, "second": 7}
